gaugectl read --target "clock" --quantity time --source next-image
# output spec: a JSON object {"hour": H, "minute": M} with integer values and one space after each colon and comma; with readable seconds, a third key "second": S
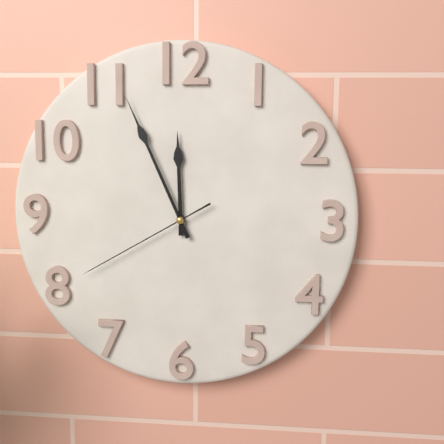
{"hour": 11, "minute": 56, "second": 40}
